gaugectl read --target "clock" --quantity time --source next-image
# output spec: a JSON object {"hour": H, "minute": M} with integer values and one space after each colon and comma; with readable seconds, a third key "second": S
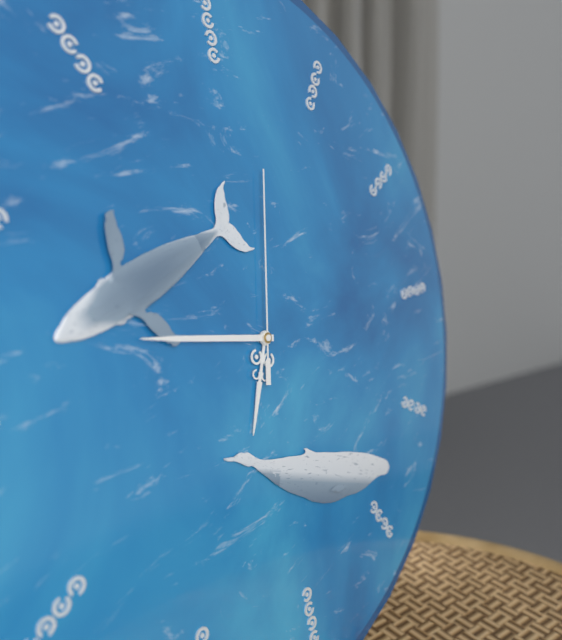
{"hour": 6, "minute": 47, "second": 2}
